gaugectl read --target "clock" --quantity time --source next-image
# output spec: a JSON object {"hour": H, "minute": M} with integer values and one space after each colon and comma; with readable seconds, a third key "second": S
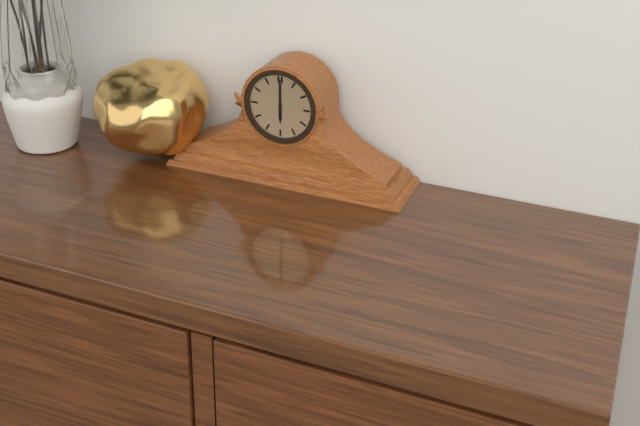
{"hour": 6, "minute": 0}
